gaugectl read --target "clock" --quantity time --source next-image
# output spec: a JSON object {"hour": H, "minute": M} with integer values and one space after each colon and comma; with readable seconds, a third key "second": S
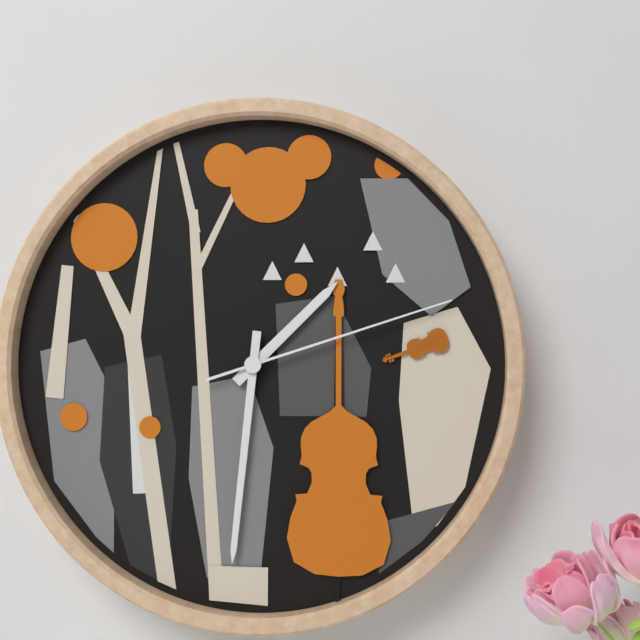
{"hour": 1, "minute": 31, "second": 12}
